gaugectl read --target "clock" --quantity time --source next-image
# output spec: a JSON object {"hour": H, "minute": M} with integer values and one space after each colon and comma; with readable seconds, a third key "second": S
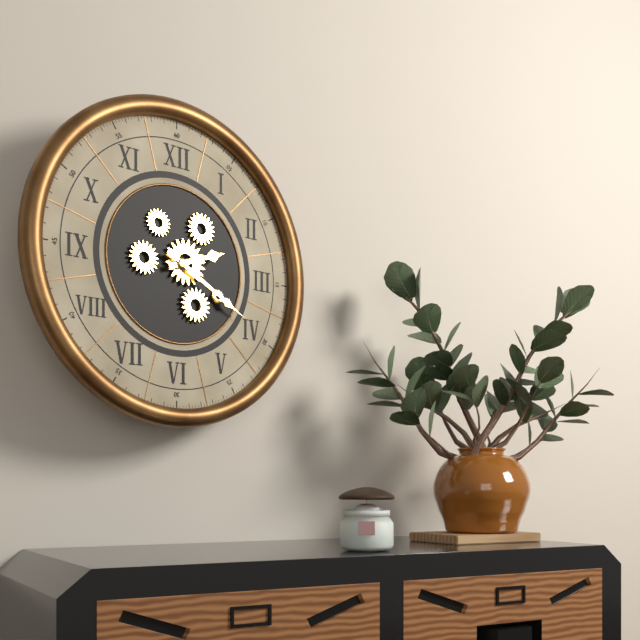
{"hour": 2, "minute": 20}
